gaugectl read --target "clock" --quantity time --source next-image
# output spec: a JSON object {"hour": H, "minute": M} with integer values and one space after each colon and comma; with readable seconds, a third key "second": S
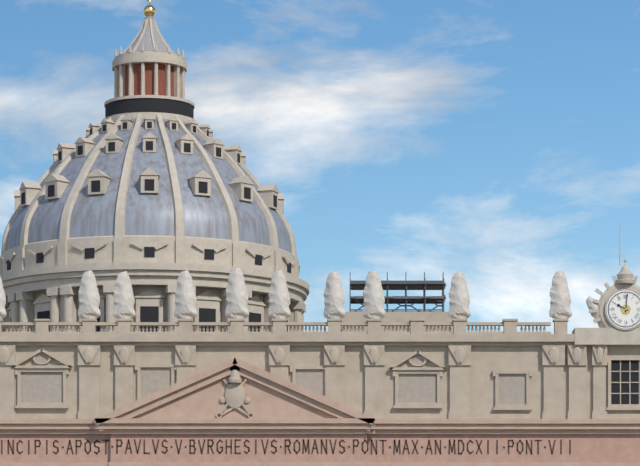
{"hour": 10, "minute": 1}
